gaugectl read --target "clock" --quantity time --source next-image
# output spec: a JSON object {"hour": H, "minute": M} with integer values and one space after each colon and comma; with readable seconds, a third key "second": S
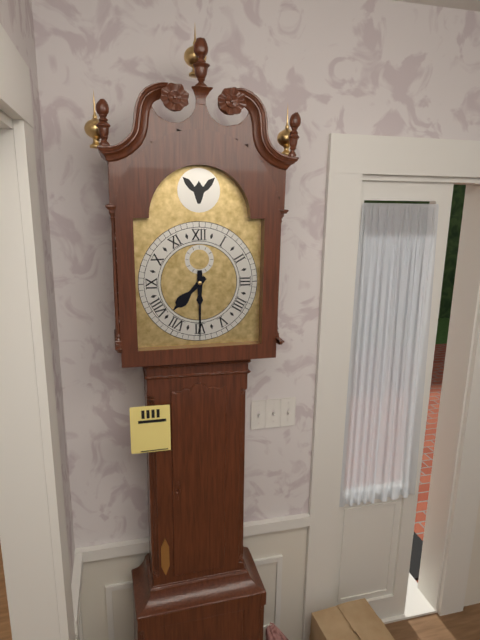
{"hour": 7, "minute": 30}
